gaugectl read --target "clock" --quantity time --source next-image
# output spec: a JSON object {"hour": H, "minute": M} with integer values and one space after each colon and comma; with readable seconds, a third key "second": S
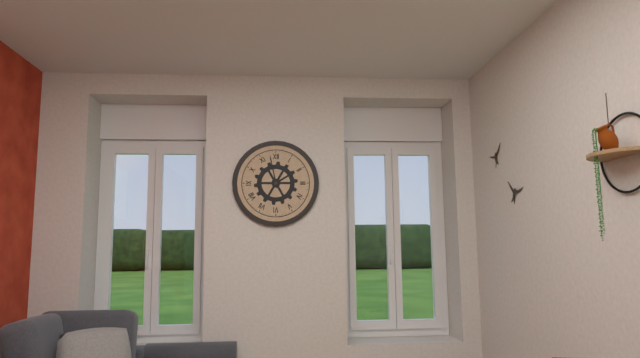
{"hour": 1, "minute": 58}
